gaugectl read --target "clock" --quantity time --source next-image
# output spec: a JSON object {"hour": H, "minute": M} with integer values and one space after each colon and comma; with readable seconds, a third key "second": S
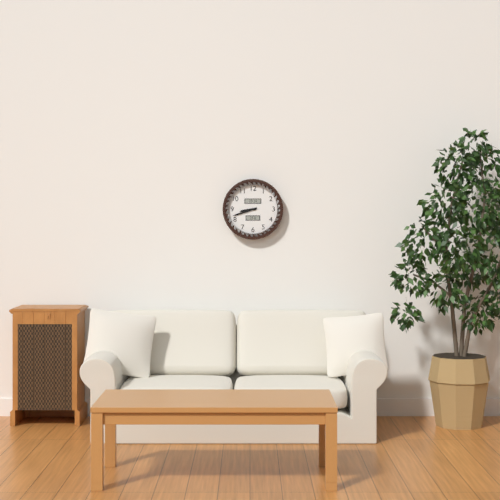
{"hour": 8, "minute": 42}
